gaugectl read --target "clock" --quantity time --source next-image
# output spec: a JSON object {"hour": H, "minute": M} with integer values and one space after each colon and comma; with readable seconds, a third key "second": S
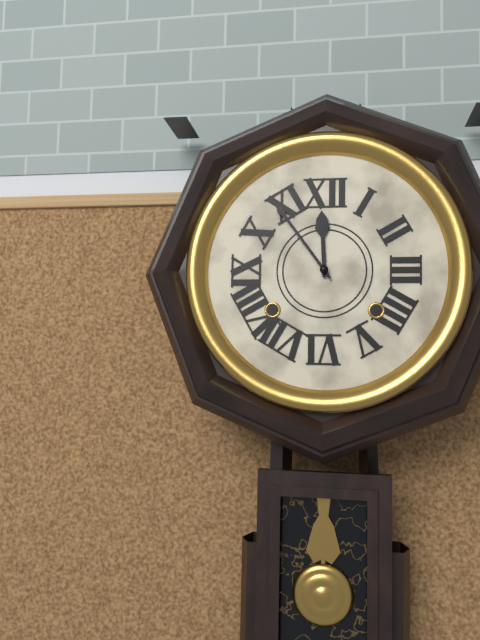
{"hour": 11, "minute": 54}
